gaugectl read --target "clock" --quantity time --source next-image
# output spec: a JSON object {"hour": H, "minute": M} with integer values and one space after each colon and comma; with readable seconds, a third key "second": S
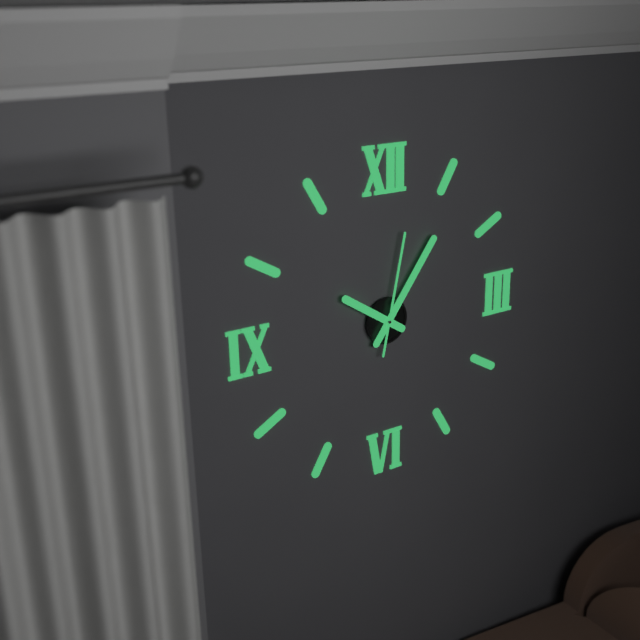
{"hour": 10, "minute": 6, "second": 2}
